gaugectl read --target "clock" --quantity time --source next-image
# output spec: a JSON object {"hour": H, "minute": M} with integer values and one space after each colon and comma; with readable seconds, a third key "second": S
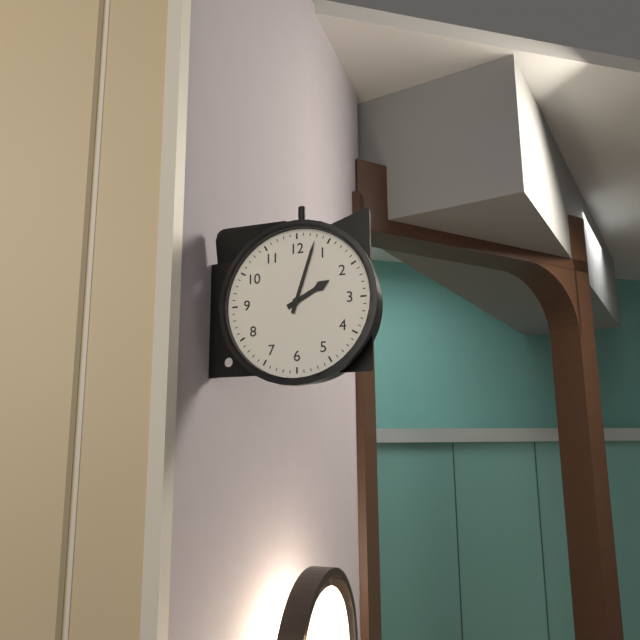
{"hour": 2, "minute": 3}
